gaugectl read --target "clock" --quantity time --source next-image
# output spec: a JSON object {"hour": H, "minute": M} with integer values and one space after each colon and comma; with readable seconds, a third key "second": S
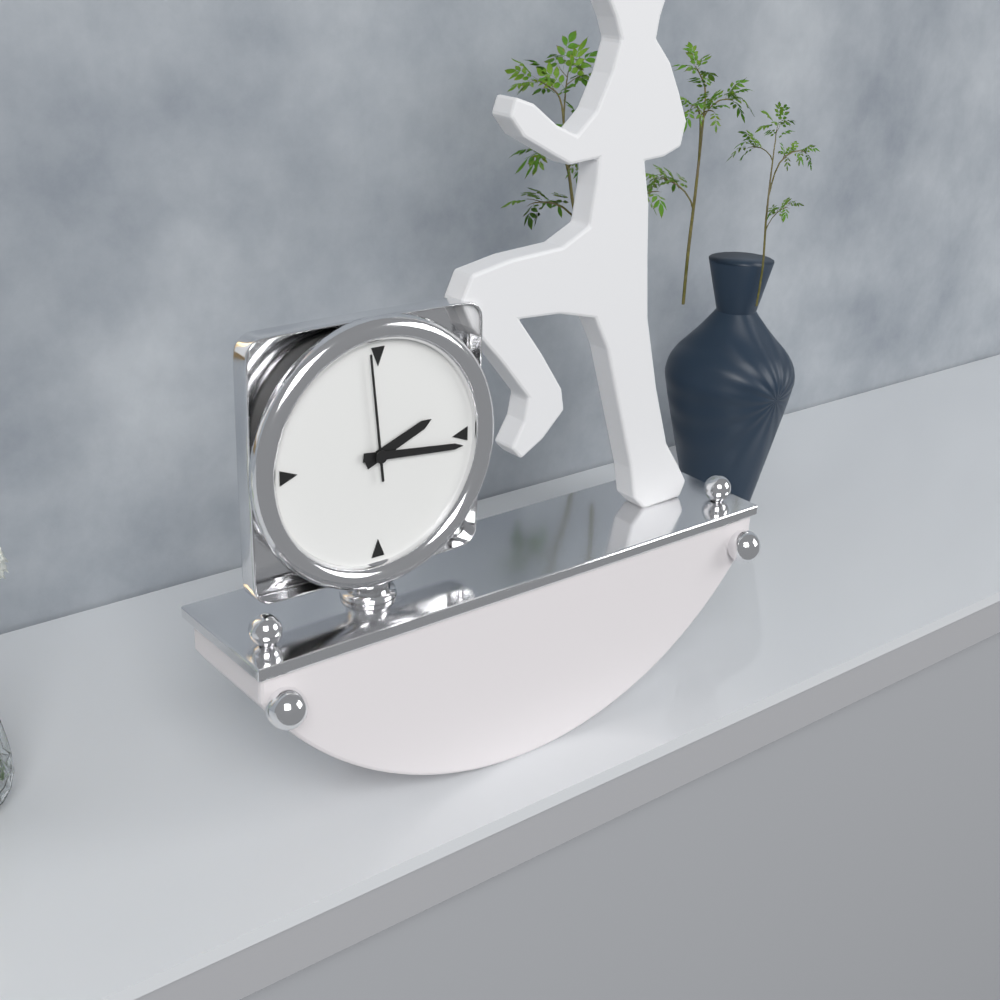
{"hour": 2, "minute": 16, "second": 59}
